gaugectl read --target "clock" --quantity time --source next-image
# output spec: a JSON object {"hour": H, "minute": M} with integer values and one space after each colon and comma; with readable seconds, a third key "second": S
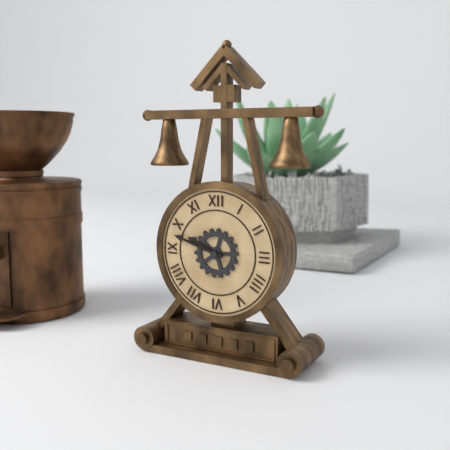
{"hour": 9, "minute": 48}
